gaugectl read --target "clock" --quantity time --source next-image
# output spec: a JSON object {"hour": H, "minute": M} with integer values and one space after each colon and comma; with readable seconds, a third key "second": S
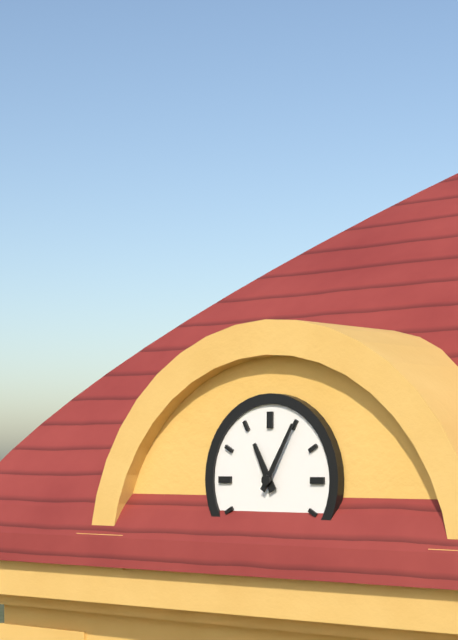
{"hour": 11, "minute": 5}
